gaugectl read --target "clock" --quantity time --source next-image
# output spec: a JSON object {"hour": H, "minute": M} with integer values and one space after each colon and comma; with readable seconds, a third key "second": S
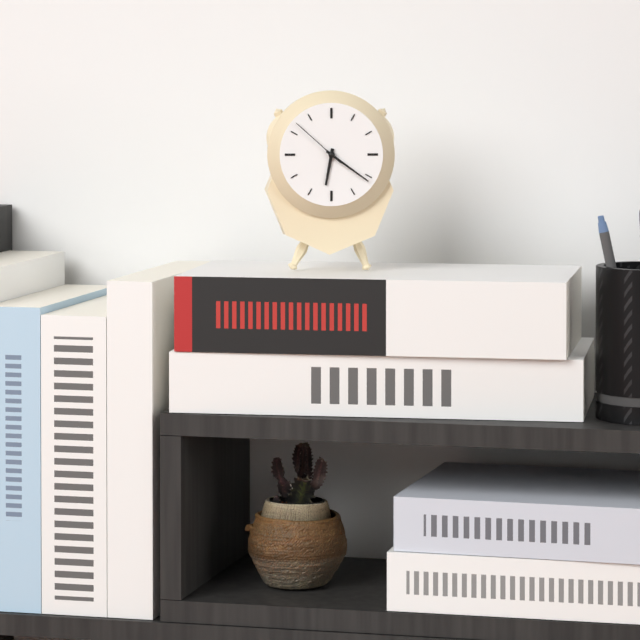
{"hour": 6, "minute": 21, "second": 52}
